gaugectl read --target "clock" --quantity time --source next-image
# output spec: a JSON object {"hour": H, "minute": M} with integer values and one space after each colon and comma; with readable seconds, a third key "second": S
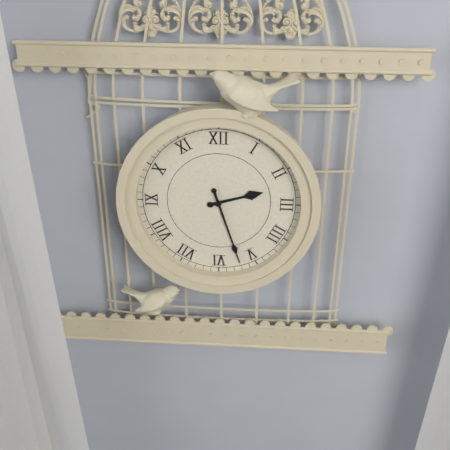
{"hour": 2, "minute": 27}
